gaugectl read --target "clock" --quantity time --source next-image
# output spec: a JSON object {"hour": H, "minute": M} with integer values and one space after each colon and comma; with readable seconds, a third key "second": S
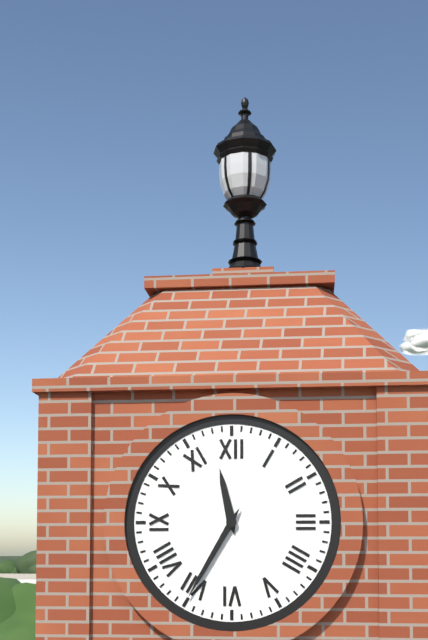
{"hour": 11, "minute": 35}
